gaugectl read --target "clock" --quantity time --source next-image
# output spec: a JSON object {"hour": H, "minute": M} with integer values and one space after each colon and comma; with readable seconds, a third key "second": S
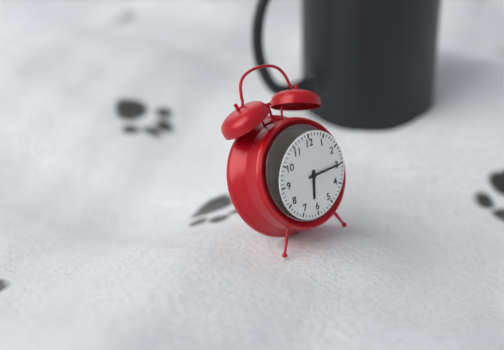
{"hour": 6, "minute": 15}
